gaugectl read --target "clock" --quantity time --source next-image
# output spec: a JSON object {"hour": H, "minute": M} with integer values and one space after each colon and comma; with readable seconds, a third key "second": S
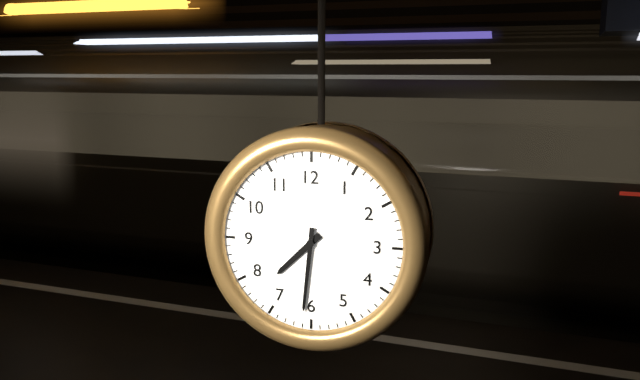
{"hour": 7, "minute": 31}
